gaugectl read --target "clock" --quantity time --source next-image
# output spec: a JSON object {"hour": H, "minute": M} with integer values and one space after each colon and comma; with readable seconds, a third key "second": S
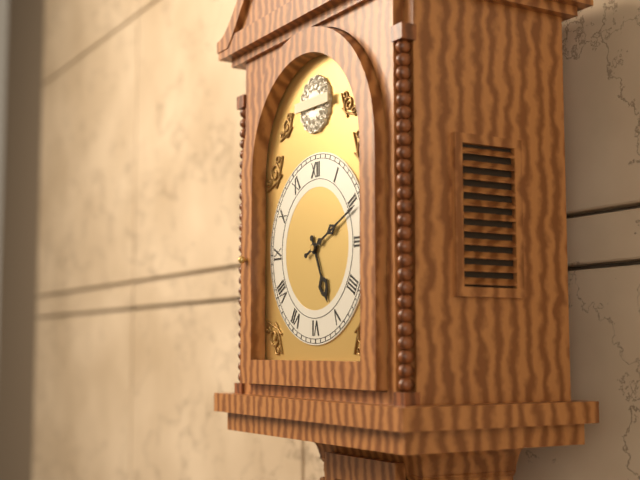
{"hour": 5, "minute": 11}
